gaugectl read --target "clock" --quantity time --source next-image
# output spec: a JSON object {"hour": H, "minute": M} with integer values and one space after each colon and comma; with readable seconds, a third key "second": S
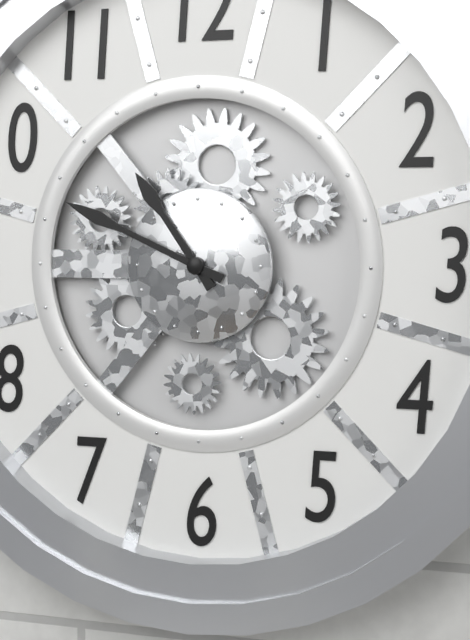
{"hour": 10, "minute": 49}
